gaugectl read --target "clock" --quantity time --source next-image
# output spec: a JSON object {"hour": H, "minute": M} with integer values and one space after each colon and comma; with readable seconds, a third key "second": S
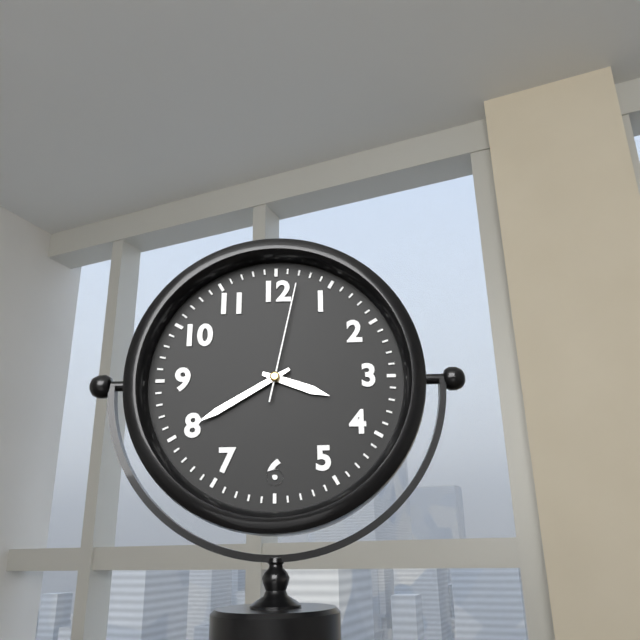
{"hour": 3, "minute": 40, "second": 2}
